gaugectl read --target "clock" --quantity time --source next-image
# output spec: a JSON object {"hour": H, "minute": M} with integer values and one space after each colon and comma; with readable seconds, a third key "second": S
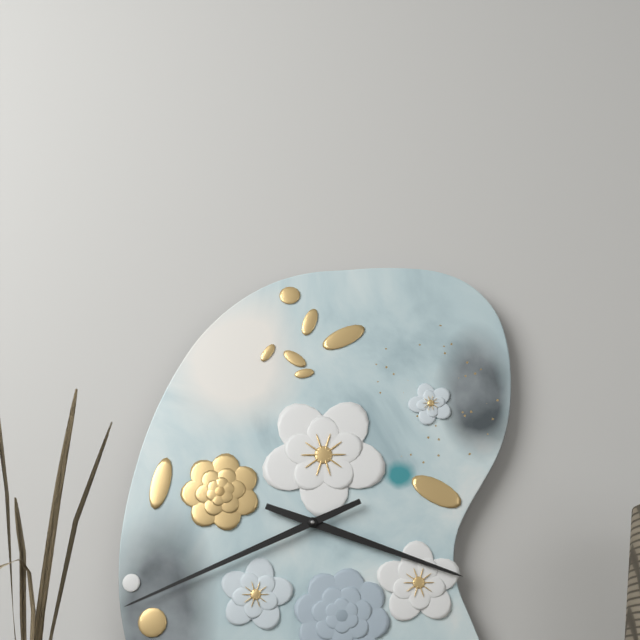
{"hour": 3, "minute": 41}
